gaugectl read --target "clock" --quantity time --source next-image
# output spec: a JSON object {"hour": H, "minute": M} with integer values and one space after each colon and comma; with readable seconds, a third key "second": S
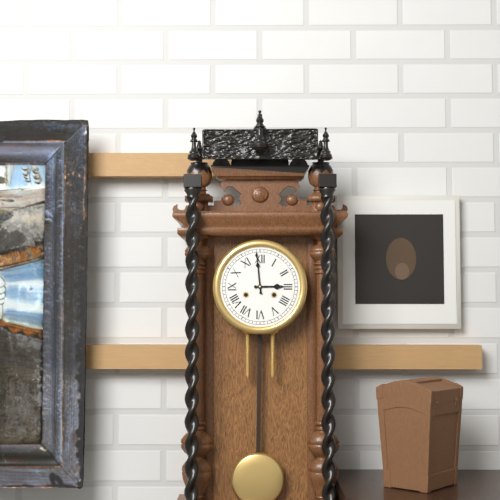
{"hour": 2, "minute": 59}
